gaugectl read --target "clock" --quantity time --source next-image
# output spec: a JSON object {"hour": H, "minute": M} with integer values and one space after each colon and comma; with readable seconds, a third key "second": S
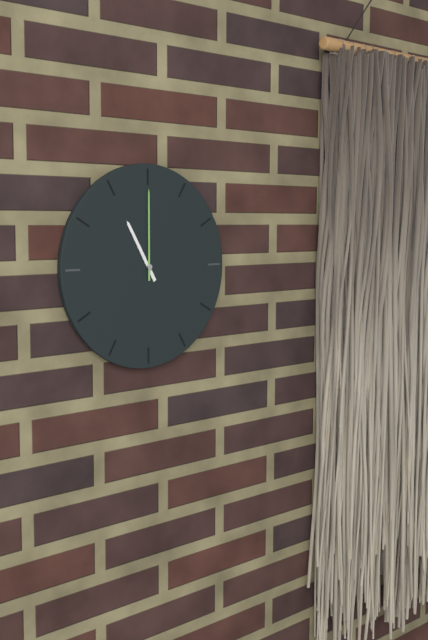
{"hour": 11, "minute": 0}
